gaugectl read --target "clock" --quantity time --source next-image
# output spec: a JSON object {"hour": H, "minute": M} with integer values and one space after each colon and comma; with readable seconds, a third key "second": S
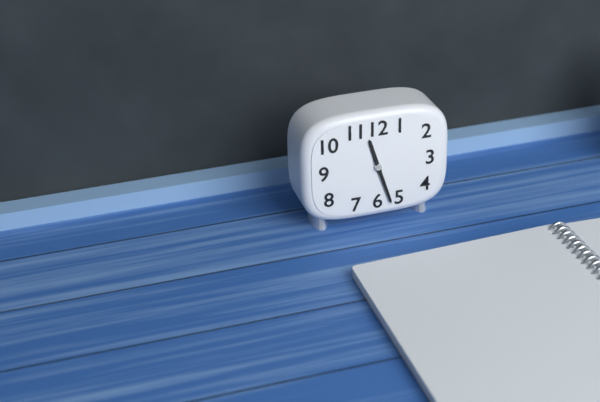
{"hour": 11, "minute": 27}
